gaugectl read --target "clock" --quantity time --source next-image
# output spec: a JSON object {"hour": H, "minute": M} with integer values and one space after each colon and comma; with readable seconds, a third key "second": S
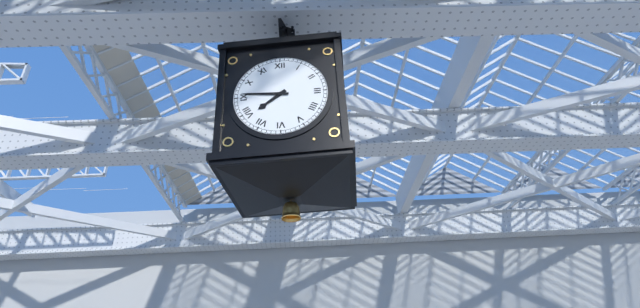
{"hour": 7, "minute": 46}
